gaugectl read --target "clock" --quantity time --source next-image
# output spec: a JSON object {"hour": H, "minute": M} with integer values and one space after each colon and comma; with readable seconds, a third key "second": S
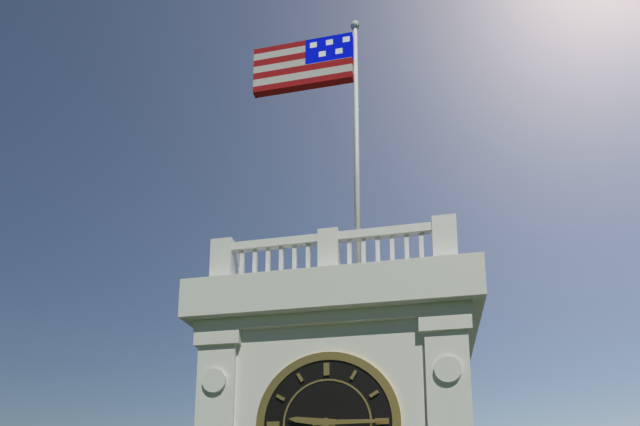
{"hour": 9, "minute": 15}
